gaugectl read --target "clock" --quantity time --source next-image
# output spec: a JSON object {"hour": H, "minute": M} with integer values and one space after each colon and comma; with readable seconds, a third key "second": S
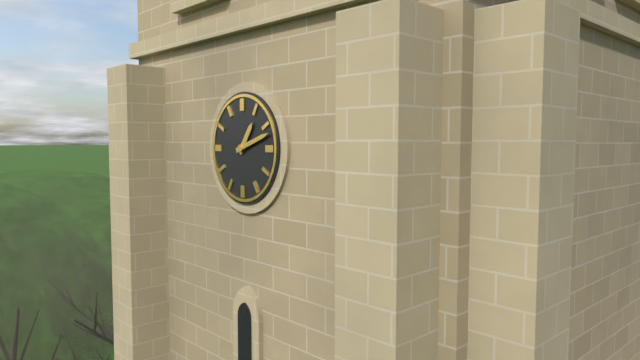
{"hour": 1, "minute": 12}
